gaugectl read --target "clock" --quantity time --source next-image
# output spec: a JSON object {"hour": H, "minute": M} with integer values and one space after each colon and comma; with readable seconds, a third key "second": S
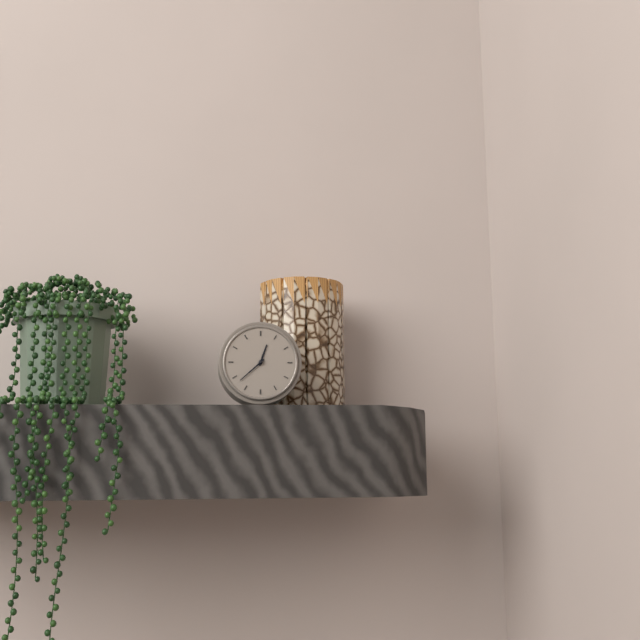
{"hour": 12, "minute": 38}
